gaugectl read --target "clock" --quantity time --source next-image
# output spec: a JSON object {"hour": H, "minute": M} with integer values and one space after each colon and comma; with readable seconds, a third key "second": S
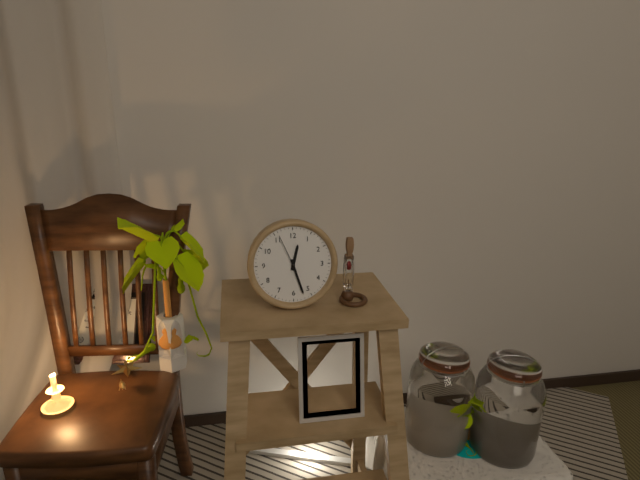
{"hour": 12, "minute": 27}
